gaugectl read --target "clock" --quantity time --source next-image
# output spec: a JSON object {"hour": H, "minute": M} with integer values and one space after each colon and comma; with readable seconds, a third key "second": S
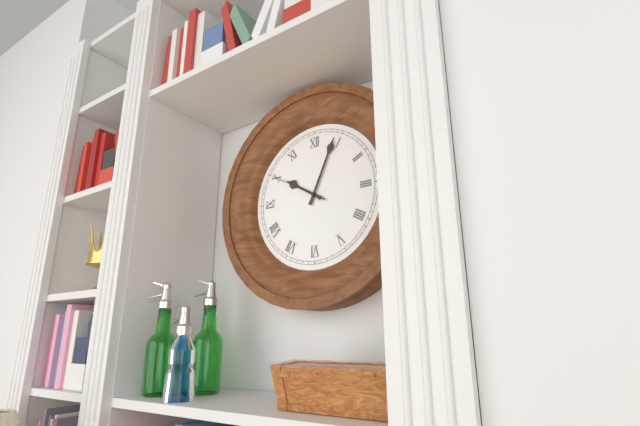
{"hour": 10, "minute": 4, "second": 50}
